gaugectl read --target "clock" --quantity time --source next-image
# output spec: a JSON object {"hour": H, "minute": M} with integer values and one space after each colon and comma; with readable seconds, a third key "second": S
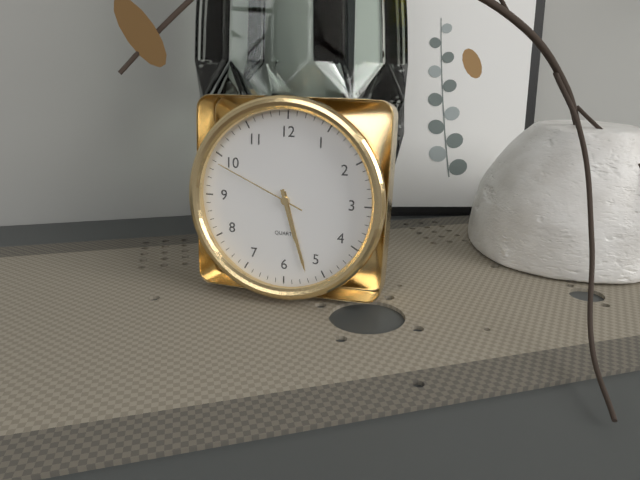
{"hour": 5, "minute": 27, "second": 49}
